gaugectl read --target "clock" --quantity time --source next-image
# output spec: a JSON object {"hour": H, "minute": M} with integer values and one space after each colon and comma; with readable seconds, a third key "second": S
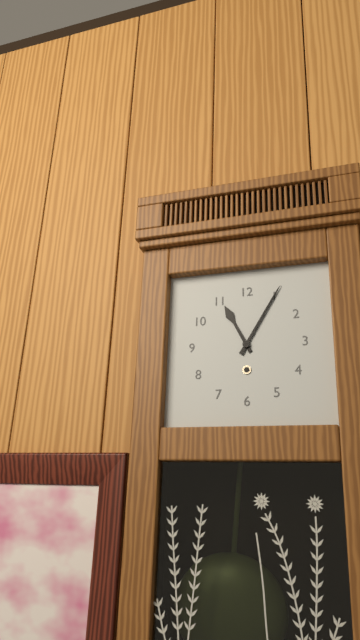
{"hour": 11, "minute": 5}
